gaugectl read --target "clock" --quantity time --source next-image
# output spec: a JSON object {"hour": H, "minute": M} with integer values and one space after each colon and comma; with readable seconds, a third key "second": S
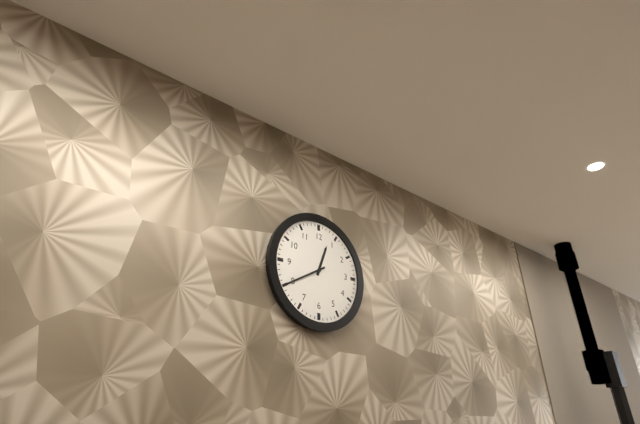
{"hour": 12, "minute": 40}
